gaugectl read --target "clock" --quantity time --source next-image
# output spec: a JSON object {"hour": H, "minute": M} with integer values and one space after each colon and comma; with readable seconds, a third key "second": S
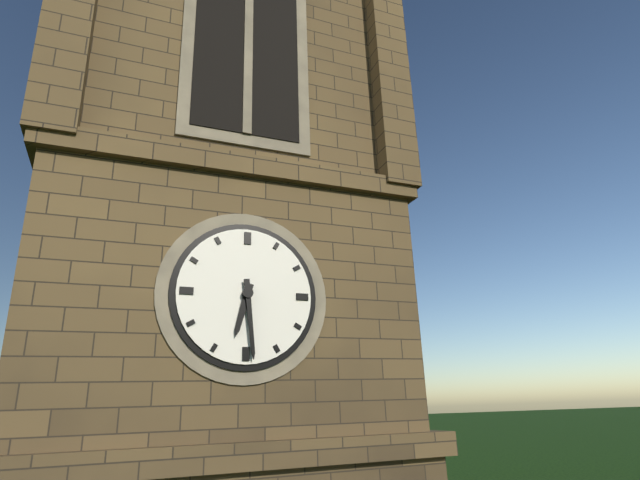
{"hour": 6, "minute": 29}
